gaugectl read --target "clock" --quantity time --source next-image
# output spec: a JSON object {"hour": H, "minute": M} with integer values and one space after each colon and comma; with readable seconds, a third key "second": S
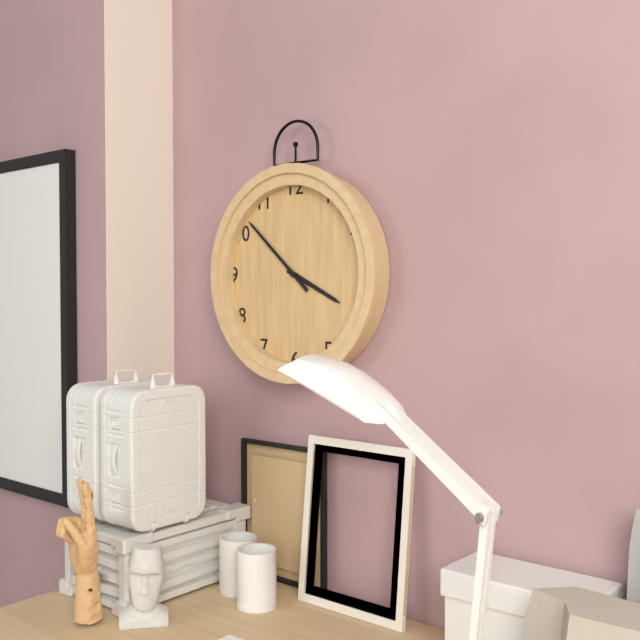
{"hour": 3, "minute": 52}
